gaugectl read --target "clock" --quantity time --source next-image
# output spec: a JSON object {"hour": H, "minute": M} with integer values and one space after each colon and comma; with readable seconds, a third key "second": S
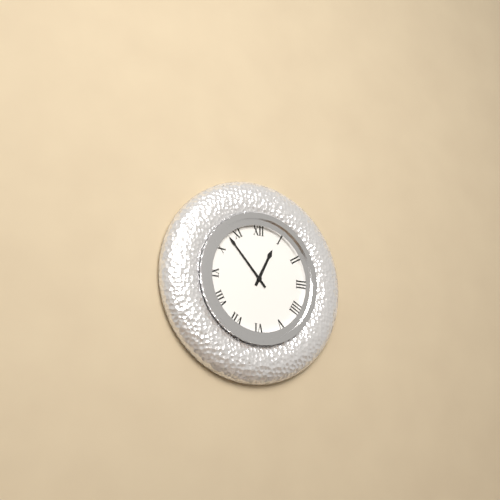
{"hour": 12, "minute": 53}
